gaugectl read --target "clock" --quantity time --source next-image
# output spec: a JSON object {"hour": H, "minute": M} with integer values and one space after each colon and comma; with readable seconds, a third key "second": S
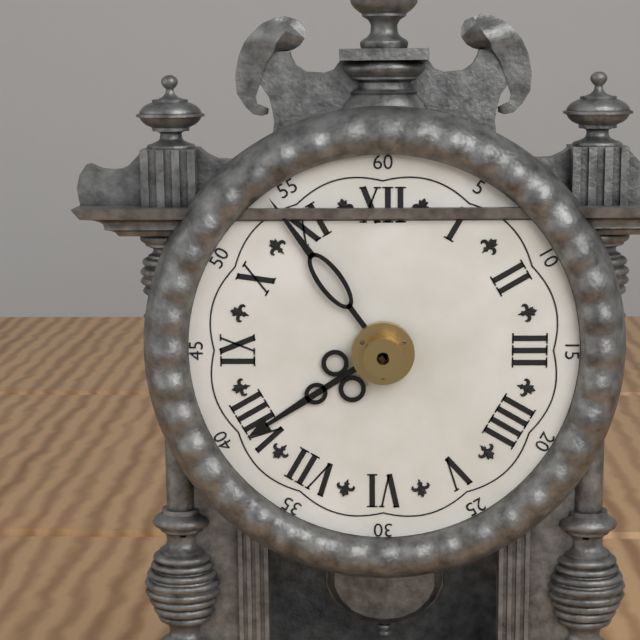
{"hour": 7, "minute": 54}
